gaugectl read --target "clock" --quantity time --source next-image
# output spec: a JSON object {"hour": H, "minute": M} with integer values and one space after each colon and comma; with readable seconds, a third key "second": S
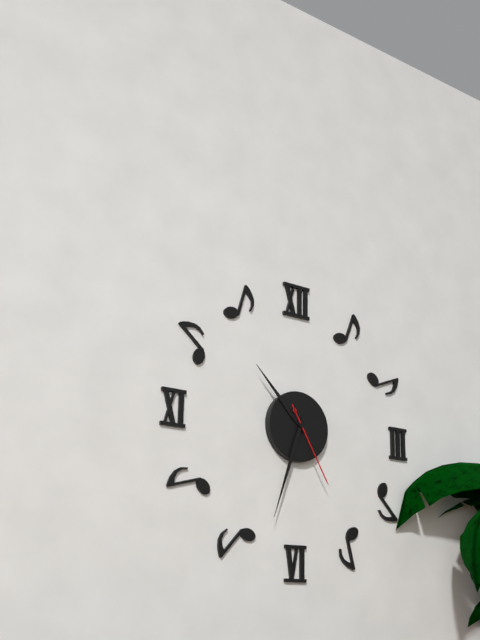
{"hour": 10, "minute": 33, "second": 25}
